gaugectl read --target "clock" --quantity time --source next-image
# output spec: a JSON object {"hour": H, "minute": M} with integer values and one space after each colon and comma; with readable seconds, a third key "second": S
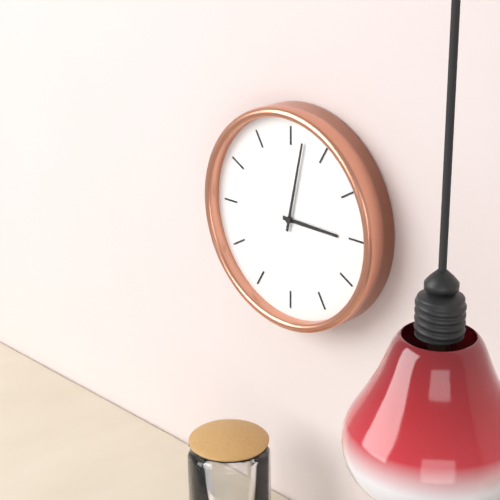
{"hour": 3, "minute": 2}
